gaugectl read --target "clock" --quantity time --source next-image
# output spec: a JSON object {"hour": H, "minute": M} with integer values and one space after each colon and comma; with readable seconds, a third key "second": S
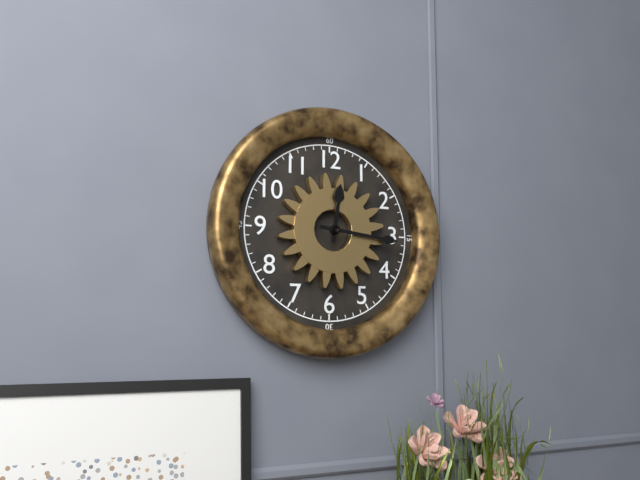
{"hour": 12, "minute": 16}
